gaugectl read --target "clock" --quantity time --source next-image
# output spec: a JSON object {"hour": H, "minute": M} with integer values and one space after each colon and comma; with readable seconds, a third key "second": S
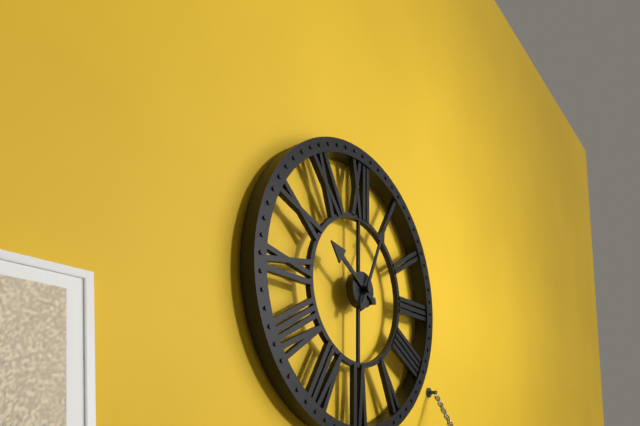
{"hour": 10, "minute": 4}
